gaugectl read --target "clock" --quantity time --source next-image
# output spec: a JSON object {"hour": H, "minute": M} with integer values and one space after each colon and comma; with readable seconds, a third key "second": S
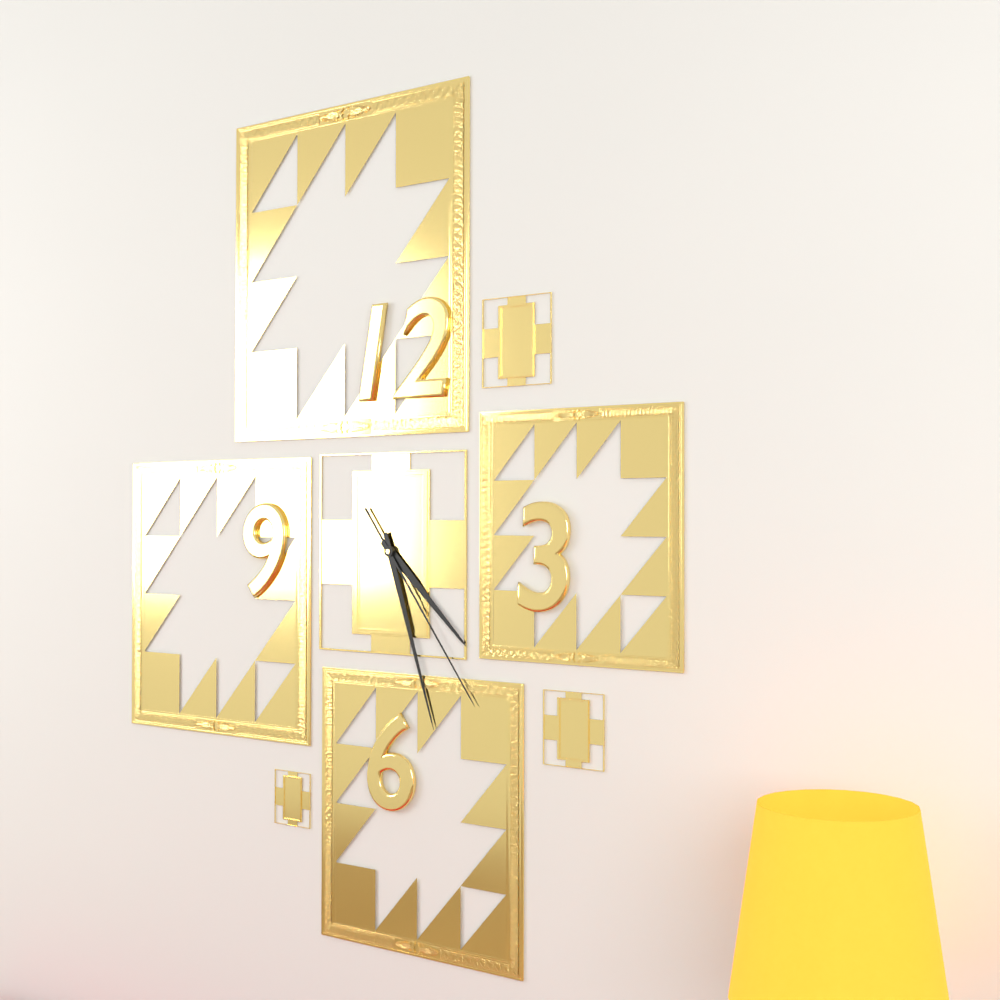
{"hour": 4, "minute": 27, "second": 24}
